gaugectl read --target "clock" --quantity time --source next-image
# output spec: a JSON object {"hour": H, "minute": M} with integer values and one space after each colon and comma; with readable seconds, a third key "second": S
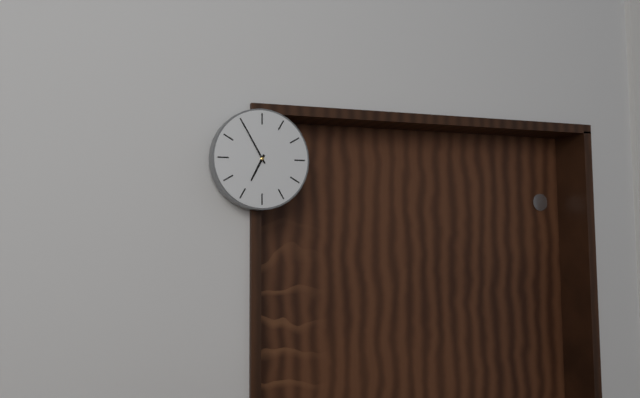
{"hour": 6, "minute": 55}
